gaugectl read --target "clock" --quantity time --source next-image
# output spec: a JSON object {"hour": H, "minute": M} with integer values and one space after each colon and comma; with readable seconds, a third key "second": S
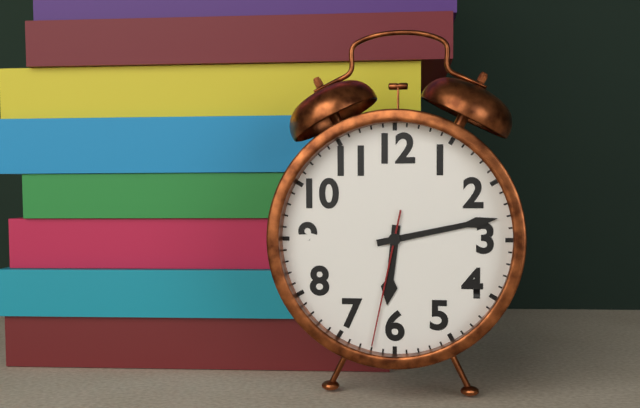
{"hour": 6, "minute": 13, "second": 32}
